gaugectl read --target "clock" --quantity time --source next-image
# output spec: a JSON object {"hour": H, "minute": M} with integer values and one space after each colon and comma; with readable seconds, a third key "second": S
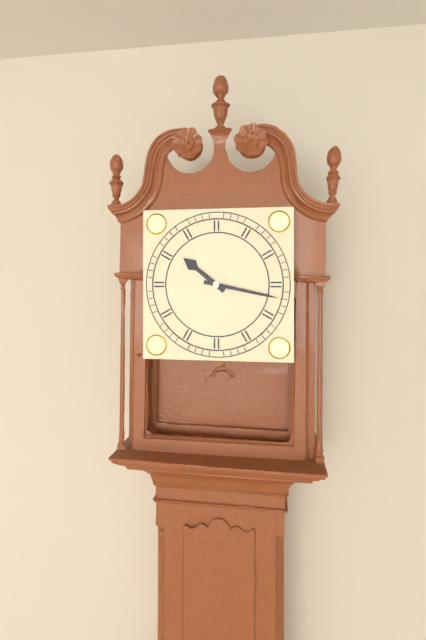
{"hour": 10, "minute": 17}
